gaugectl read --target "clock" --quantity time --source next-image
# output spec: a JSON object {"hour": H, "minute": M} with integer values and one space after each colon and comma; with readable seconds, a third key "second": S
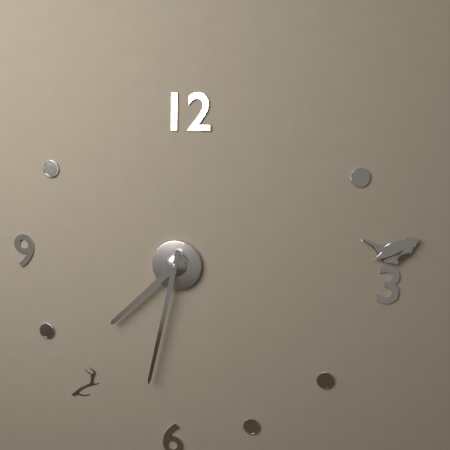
{"hour": 7, "minute": 32}
